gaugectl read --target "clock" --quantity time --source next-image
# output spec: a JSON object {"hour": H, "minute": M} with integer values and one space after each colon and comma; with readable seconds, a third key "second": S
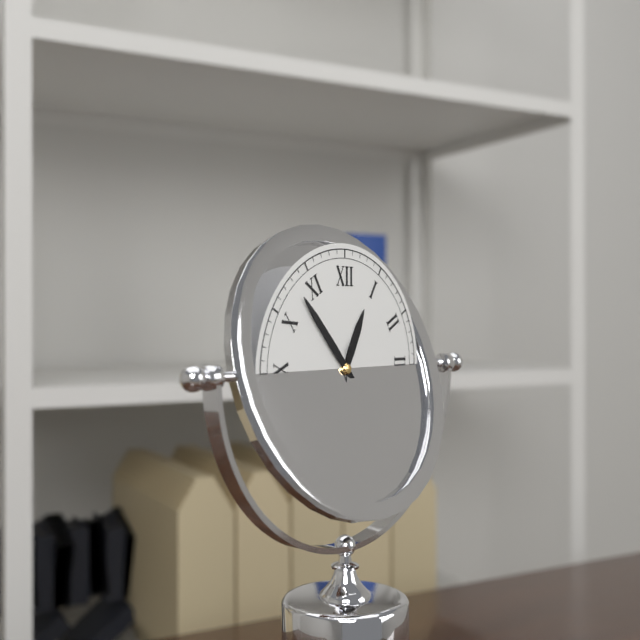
{"hour": 12, "minute": 53}
